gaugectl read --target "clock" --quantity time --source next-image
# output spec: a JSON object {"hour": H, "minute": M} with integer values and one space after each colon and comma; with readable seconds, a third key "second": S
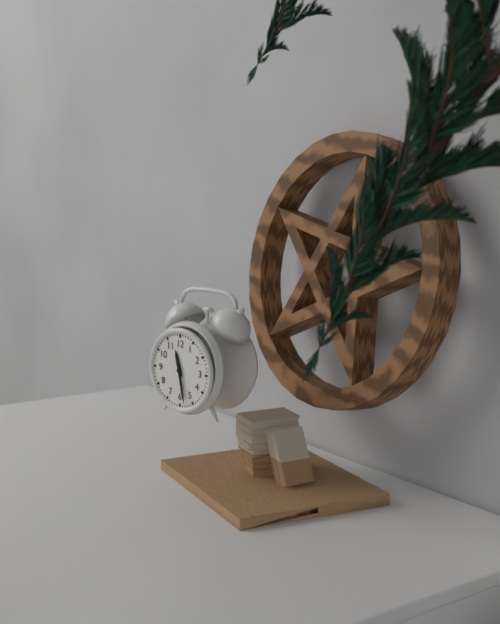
{"hour": 11, "minute": 28}
